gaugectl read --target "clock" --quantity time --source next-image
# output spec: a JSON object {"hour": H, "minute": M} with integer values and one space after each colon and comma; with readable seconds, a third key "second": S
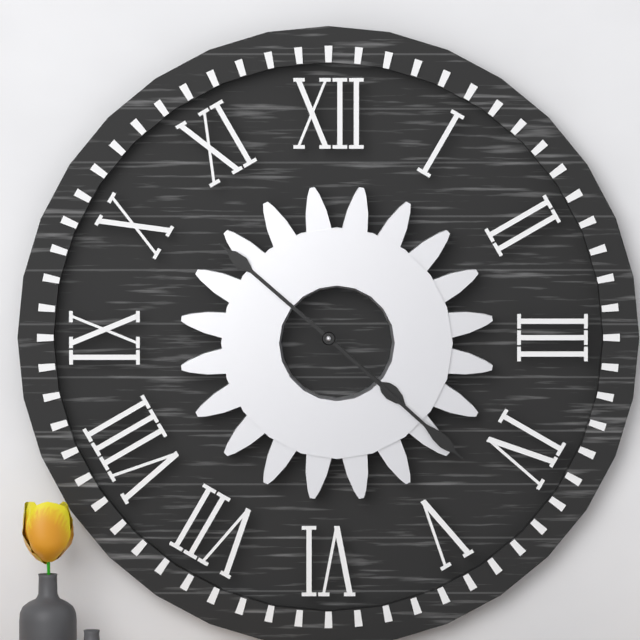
{"hour": 10, "minute": 22}
